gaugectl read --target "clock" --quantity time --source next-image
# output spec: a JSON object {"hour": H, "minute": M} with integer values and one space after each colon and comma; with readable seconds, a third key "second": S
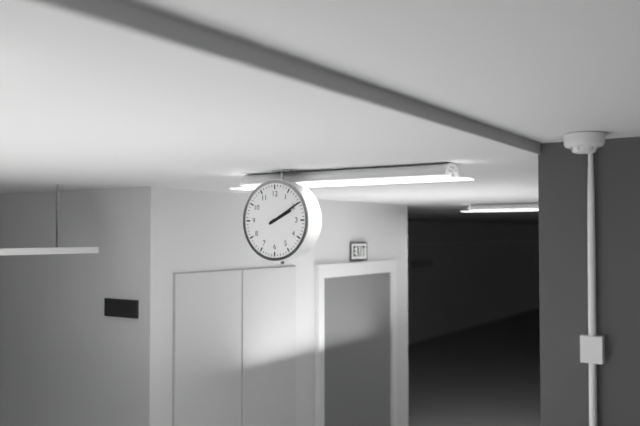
{"hour": 2, "minute": 10}
